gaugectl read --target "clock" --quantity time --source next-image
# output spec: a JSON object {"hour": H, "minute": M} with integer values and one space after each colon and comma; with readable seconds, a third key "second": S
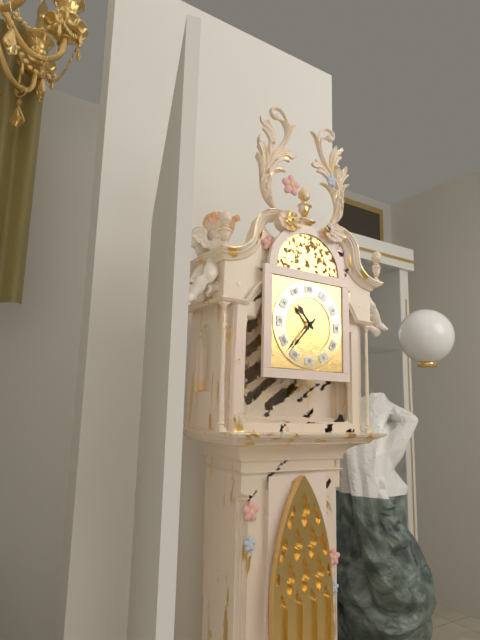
{"hour": 10, "minute": 37}
